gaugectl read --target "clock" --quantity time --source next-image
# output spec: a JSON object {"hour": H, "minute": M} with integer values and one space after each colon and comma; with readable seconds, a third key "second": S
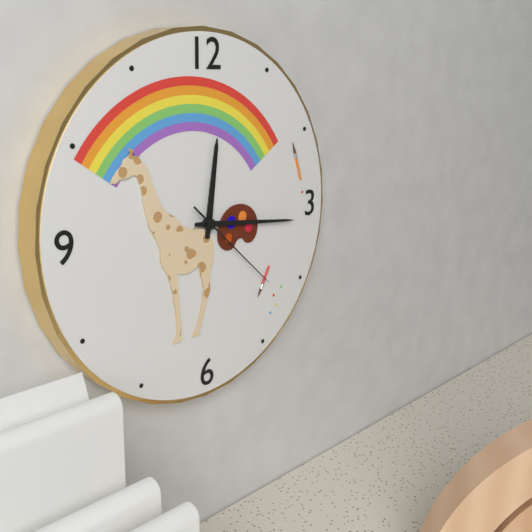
{"hour": 12, "minute": 16, "second": 22}
